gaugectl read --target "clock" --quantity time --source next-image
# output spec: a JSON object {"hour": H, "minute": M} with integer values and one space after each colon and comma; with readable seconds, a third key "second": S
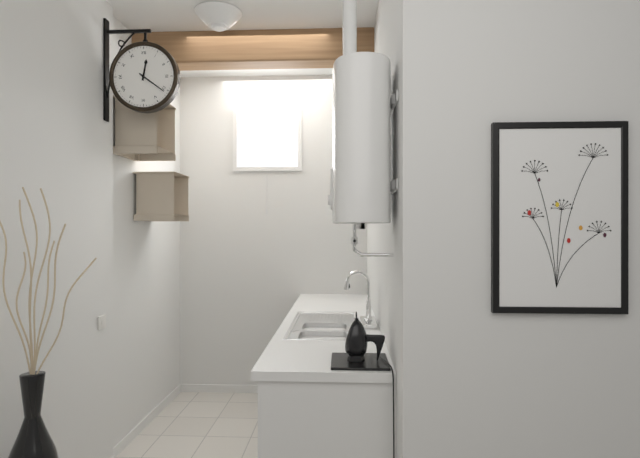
{"hour": 12, "minute": 21}
